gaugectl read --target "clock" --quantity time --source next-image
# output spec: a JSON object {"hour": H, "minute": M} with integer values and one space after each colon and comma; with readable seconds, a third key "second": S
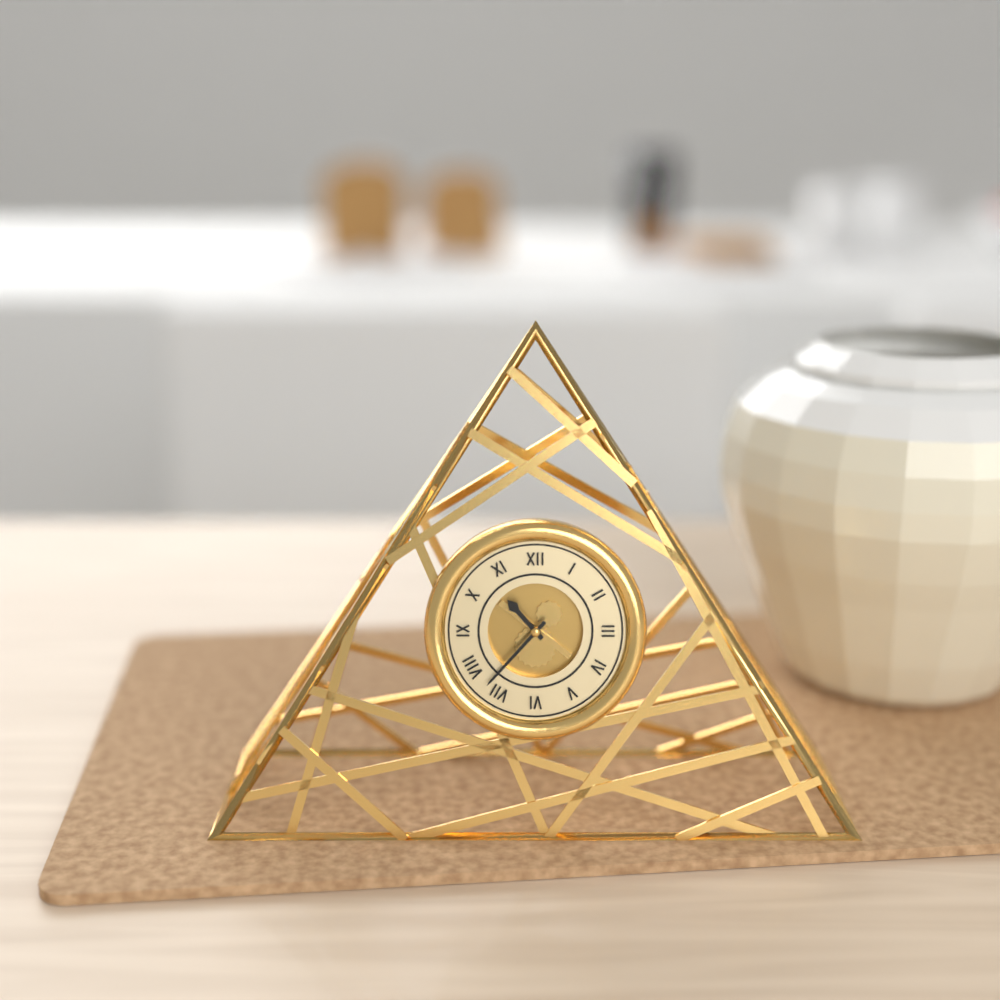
{"hour": 10, "minute": 37}
